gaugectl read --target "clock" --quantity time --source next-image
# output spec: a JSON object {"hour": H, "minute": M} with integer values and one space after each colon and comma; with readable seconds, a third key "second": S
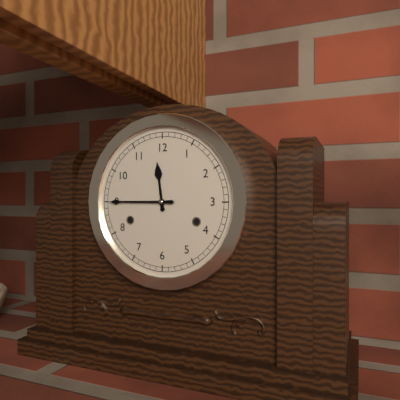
{"hour": 11, "minute": 45}
